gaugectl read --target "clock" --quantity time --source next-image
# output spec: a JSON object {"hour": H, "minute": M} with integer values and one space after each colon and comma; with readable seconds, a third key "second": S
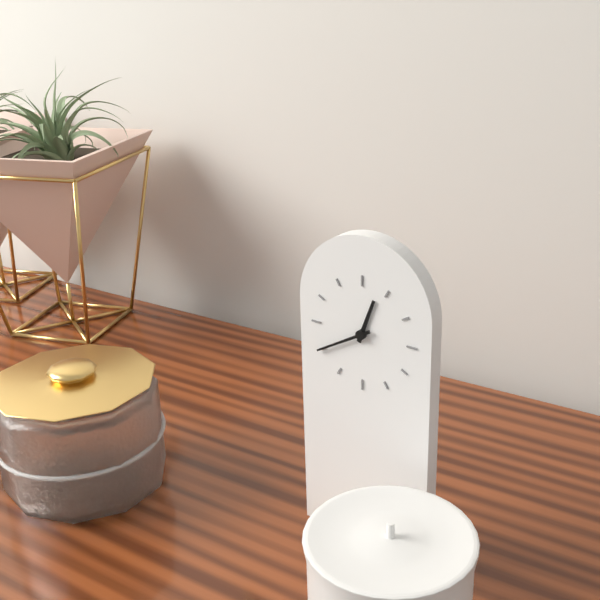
{"hour": 12, "minute": 40}
